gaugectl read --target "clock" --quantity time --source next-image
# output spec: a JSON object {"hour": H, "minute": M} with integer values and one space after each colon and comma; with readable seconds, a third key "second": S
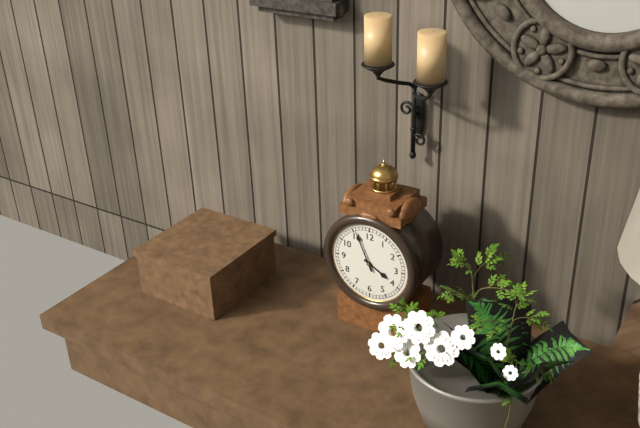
{"hour": 3, "minute": 56}
